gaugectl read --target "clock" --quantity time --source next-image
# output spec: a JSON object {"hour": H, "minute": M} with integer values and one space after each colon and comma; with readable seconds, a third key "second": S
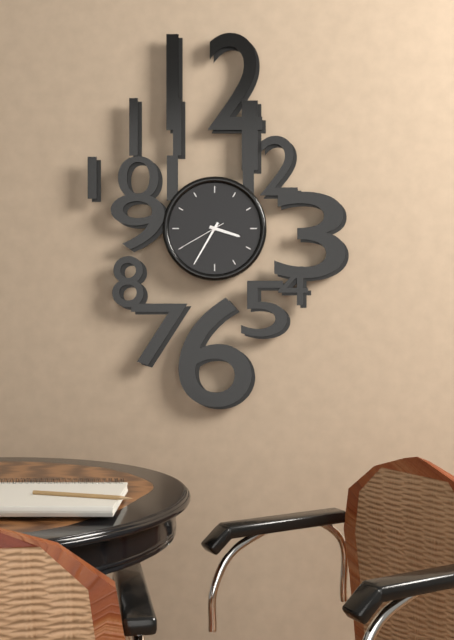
{"hour": 3, "minute": 35}
